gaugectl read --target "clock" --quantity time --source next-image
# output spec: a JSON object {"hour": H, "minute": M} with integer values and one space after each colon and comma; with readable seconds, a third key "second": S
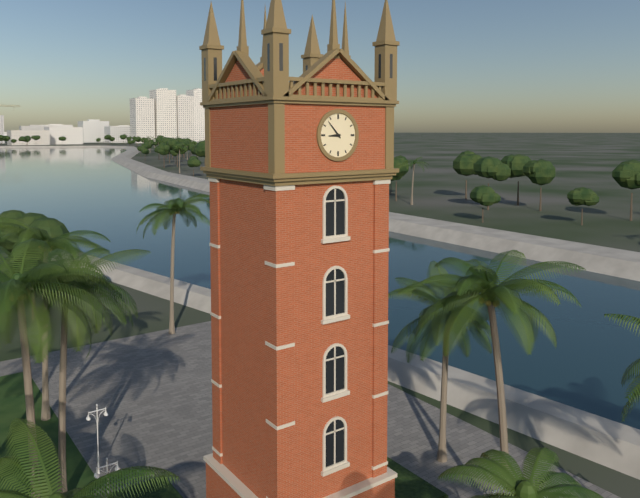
{"hour": 8, "minute": 53}
